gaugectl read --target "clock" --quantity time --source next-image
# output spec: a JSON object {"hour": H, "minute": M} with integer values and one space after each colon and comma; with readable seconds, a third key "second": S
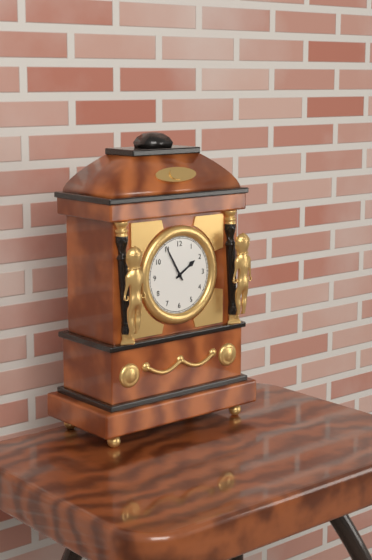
{"hour": 1, "minute": 55}
